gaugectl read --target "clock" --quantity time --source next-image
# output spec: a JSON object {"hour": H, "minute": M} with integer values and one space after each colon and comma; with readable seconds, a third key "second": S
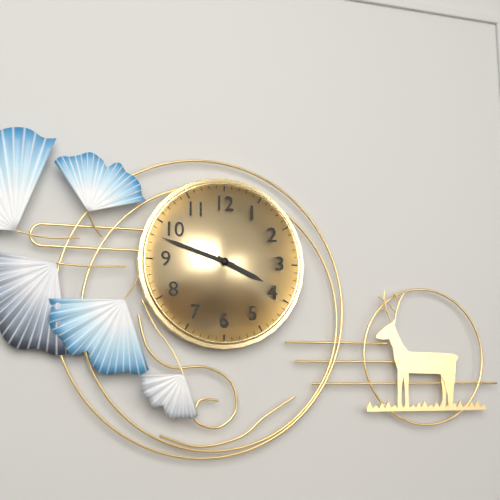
{"hour": 3, "minute": 48}
